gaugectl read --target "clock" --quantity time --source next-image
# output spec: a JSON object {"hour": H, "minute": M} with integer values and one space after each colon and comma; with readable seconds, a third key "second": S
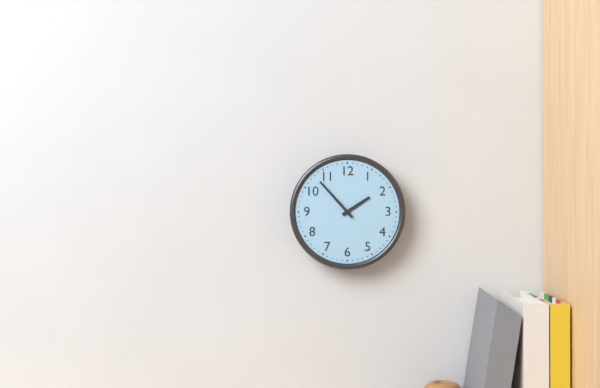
{"hour": 1, "minute": 53}
